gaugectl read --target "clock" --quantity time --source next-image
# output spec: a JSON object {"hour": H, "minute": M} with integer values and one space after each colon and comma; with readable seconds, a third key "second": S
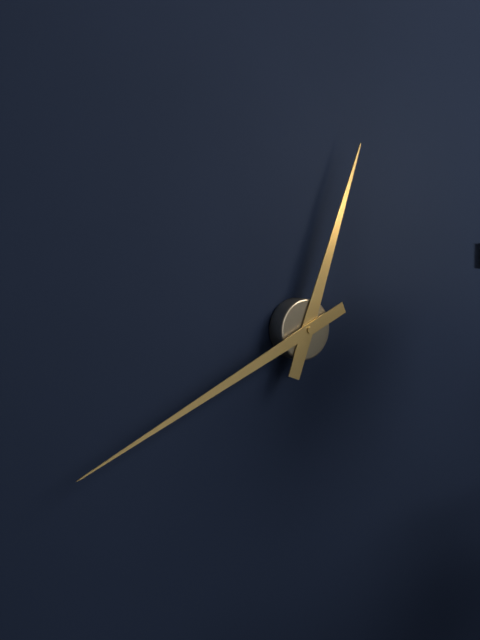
{"hour": 12, "minute": 41}
